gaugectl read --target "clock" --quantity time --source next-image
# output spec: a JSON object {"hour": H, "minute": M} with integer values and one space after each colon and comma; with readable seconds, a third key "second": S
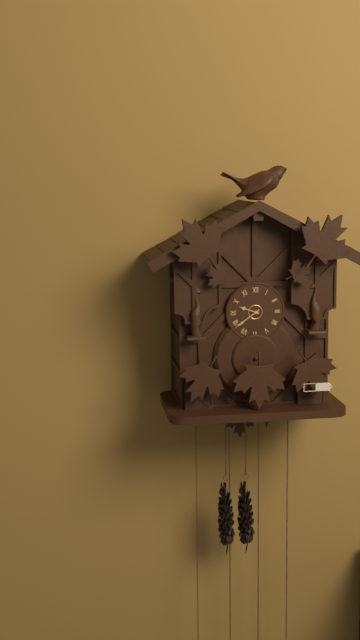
{"hour": 9, "minute": 39}
